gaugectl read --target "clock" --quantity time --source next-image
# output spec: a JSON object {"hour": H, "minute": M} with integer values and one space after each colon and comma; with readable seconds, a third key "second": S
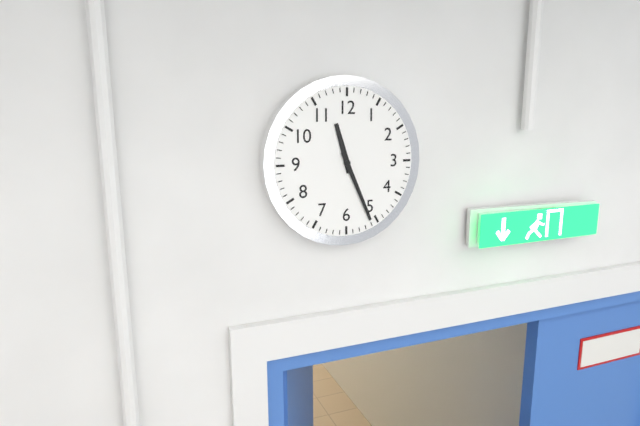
{"hour": 11, "minute": 26}
